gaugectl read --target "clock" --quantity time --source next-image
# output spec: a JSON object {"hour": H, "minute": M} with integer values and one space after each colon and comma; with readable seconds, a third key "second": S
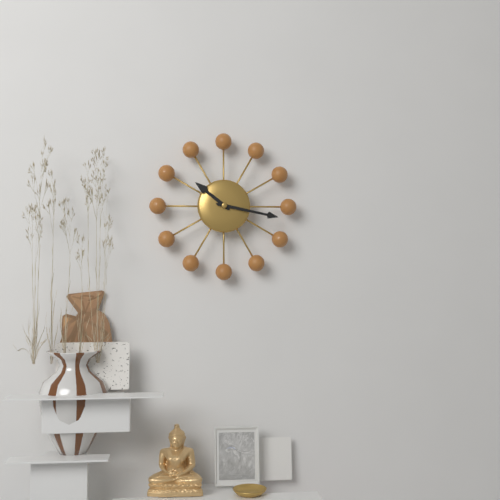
{"hour": 10, "minute": 17}
